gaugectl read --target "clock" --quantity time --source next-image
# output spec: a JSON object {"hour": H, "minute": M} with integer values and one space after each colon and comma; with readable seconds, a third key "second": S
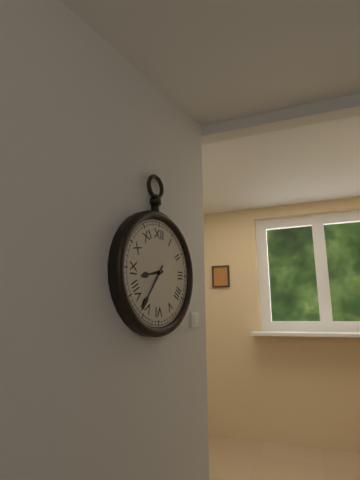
{"hour": 8, "minute": 36}
